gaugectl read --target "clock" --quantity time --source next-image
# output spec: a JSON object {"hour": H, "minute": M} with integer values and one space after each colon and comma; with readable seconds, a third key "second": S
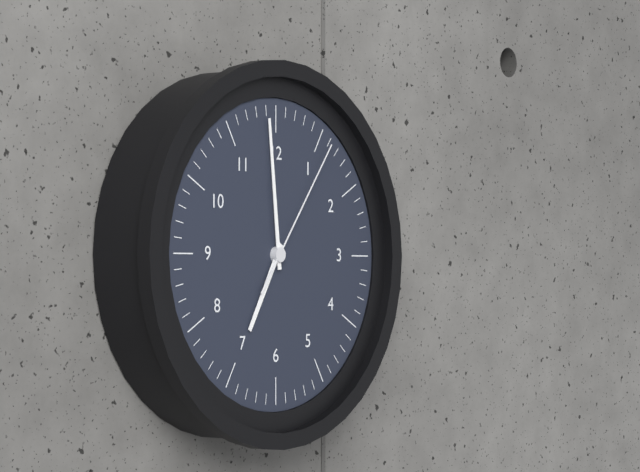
{"hour": 6, "minute": 59, "second": 6}
